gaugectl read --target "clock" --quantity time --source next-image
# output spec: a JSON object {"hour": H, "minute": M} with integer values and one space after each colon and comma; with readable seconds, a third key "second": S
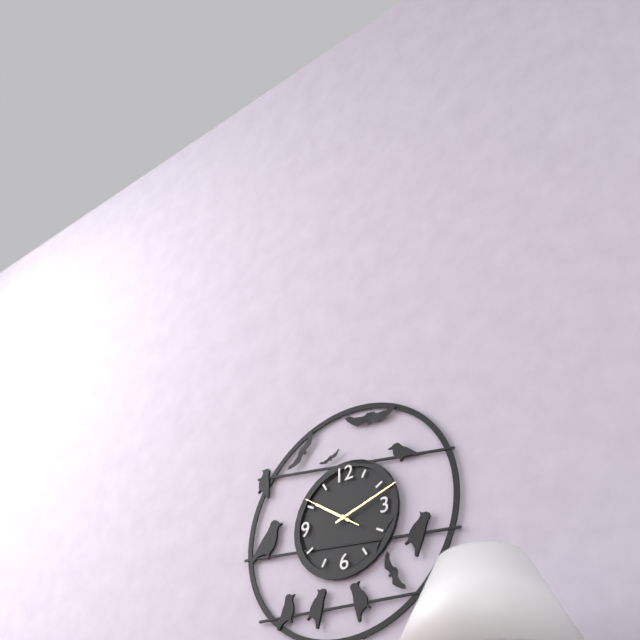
{"hour": 10, "minute": 12, "second": 51}
